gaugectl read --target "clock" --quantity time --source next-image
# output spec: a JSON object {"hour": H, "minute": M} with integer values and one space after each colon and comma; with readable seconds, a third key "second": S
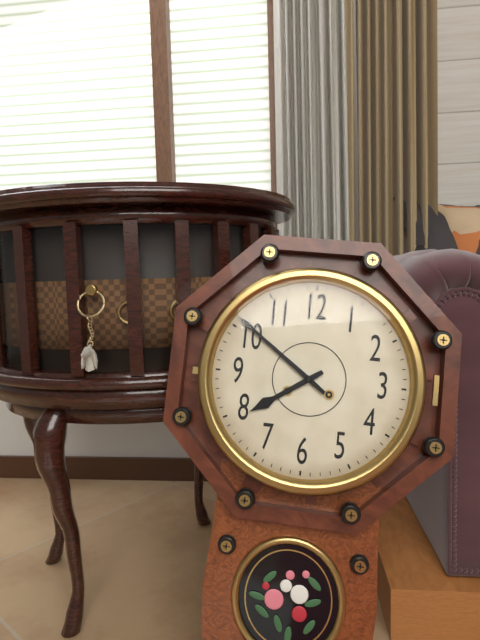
{"hour": 7, "minute": 51}
